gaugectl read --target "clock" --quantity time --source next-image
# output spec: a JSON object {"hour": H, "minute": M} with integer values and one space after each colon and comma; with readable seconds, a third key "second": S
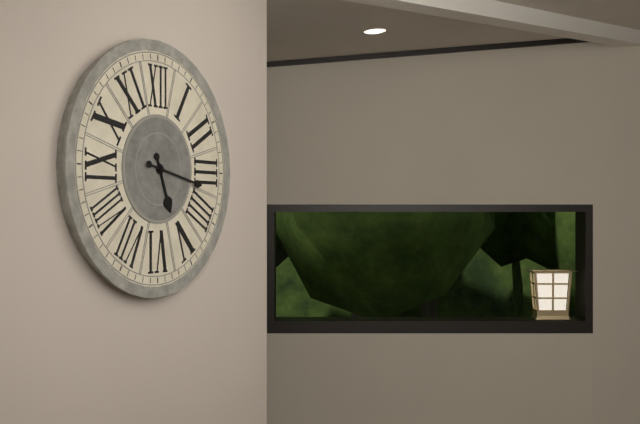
{"hour": 5, "minute": 17}
